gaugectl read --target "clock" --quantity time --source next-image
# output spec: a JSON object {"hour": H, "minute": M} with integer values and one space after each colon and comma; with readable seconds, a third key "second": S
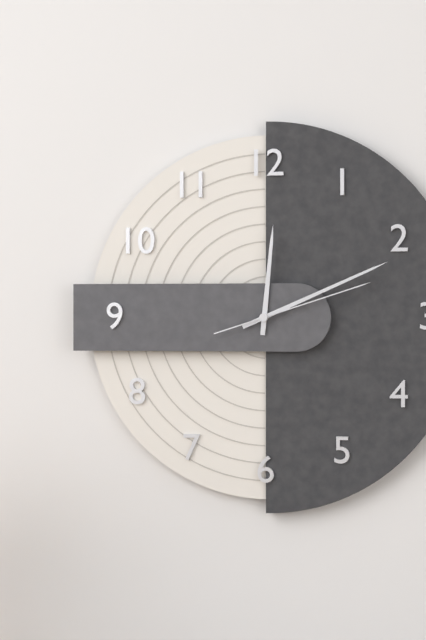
{"hour": 12, "minute": 11, "second": 12}
